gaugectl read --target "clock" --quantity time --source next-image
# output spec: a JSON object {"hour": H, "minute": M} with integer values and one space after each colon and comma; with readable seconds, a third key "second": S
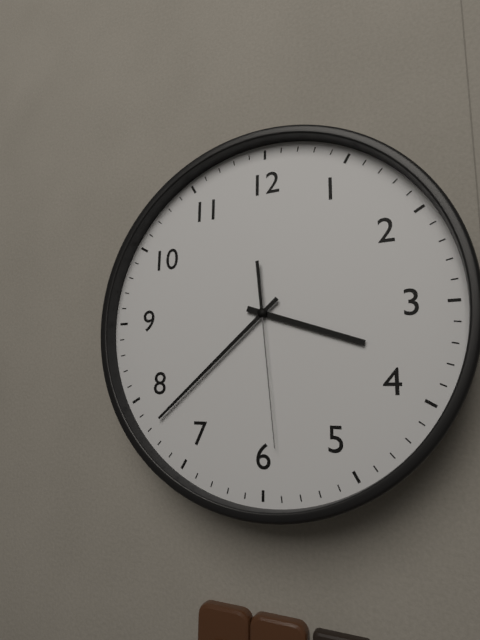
{"hour": 3, "minute": 38, "second": 29}
